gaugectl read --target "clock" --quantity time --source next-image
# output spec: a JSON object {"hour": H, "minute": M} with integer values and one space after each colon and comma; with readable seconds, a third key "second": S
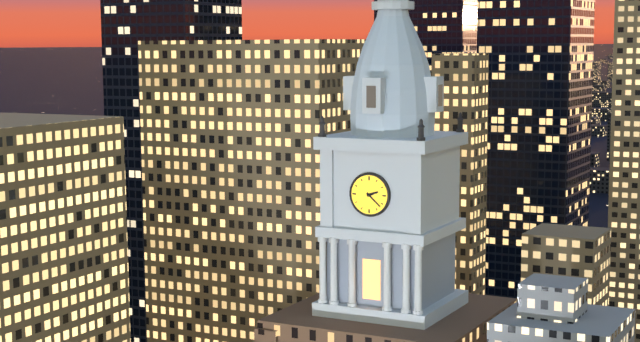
{"hour": 2, "minute": 22}
